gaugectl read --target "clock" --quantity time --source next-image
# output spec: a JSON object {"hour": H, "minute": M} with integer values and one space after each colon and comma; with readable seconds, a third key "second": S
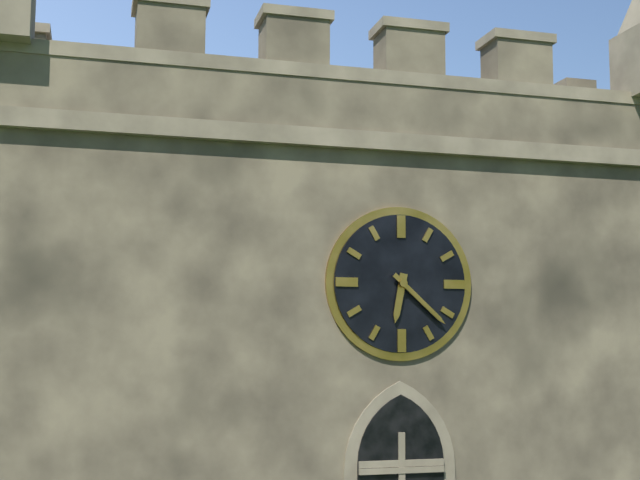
{"hour": 6, "minute": 22}
